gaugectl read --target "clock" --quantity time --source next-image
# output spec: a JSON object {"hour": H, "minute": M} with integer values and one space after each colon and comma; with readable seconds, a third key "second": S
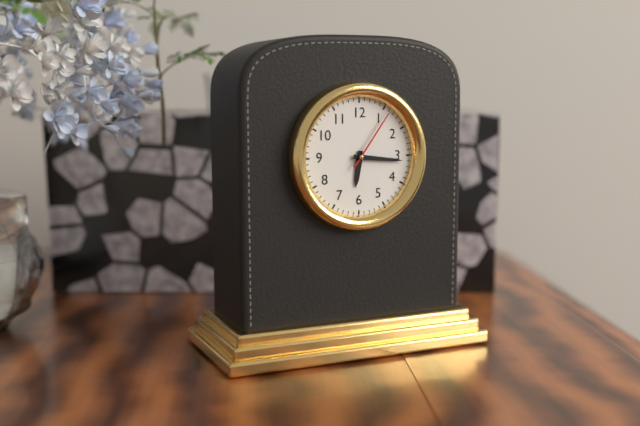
{"hour": 6, "minute": 16, "second": 6}
